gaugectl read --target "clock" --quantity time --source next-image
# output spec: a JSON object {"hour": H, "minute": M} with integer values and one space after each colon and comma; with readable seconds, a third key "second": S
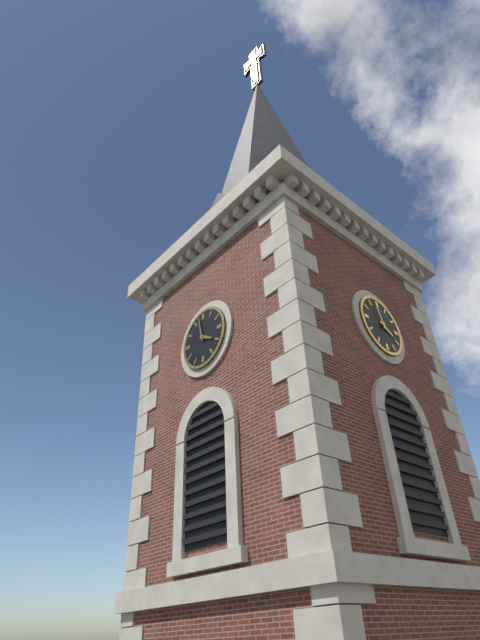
{"hour": 3, "minute": 58}
